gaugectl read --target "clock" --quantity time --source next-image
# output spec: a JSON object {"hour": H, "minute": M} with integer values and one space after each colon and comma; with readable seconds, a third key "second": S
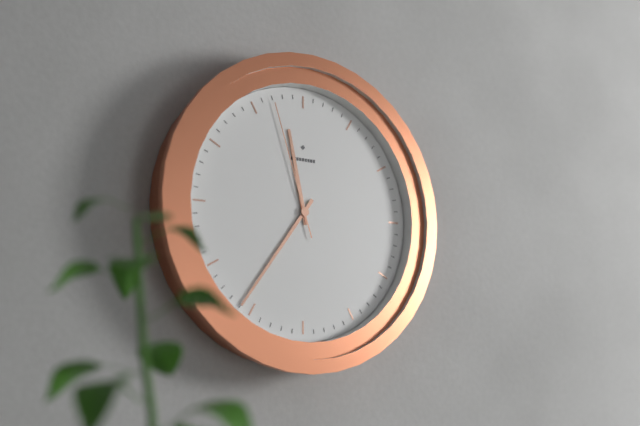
{"hour": 11, "minute": 36, "second": 57}
